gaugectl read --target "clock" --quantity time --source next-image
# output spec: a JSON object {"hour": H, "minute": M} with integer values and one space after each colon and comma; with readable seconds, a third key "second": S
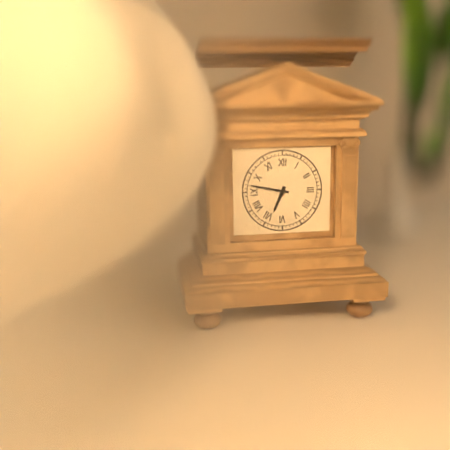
{"hour": 6, "minute": 47}
